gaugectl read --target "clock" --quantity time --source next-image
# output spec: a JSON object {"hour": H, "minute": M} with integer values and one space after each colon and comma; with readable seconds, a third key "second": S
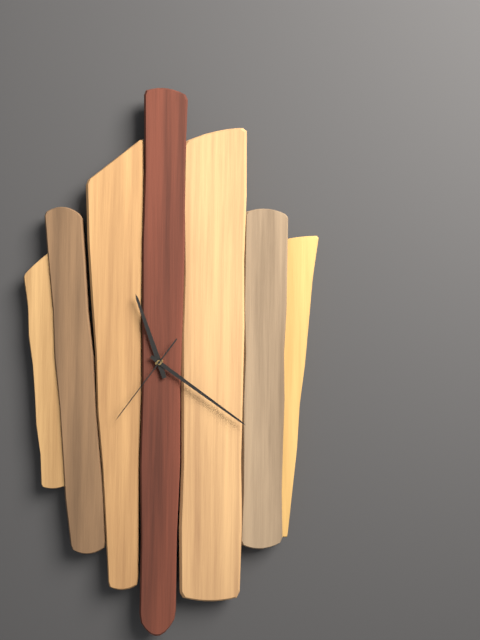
{"hour": 11, "minute": 21, "second": 36}
